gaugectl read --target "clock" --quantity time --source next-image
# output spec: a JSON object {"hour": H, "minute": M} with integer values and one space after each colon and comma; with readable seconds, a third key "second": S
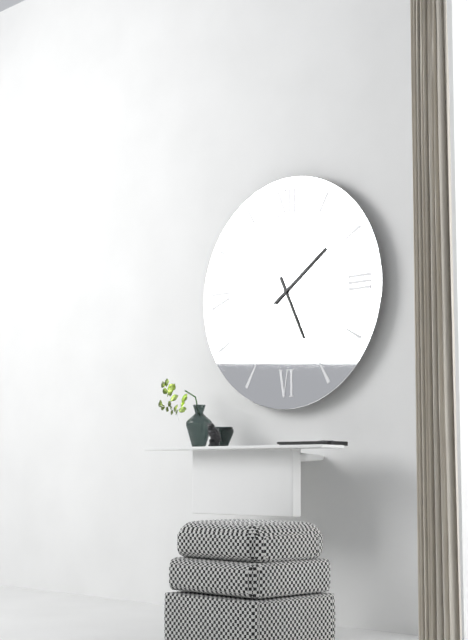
{"hour": 5, "minute": 9}
